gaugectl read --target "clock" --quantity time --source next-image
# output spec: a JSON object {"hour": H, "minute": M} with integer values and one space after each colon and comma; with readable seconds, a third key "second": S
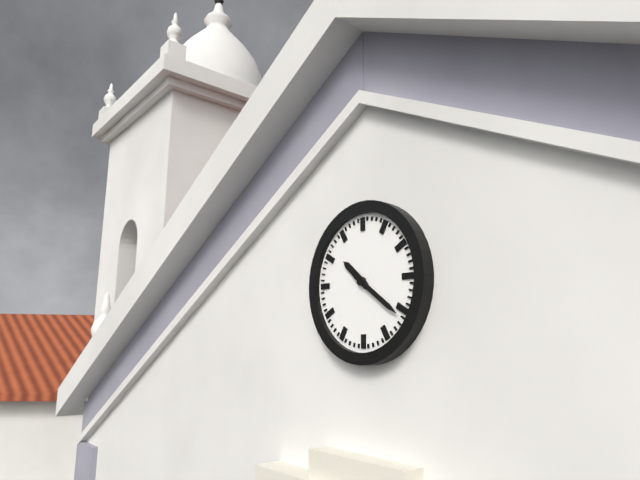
{"hour": 10, "minute": 21}
